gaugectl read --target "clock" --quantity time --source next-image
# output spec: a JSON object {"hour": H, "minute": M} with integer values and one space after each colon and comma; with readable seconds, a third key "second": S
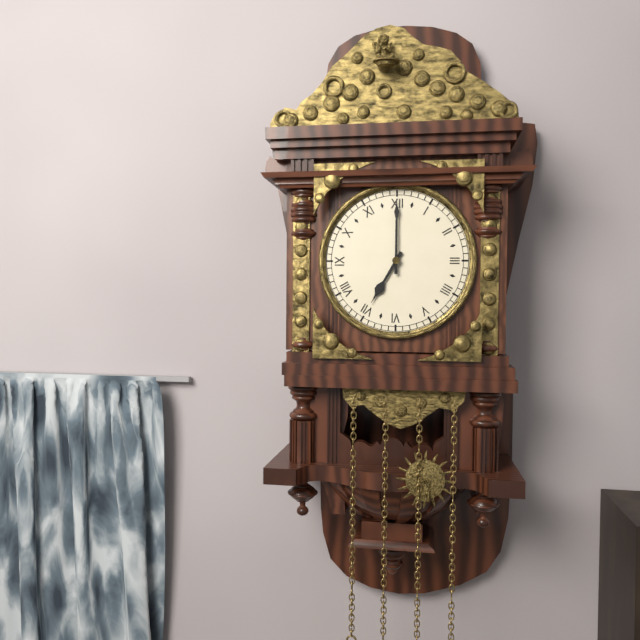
{"hour": 7, "minute": 0}
